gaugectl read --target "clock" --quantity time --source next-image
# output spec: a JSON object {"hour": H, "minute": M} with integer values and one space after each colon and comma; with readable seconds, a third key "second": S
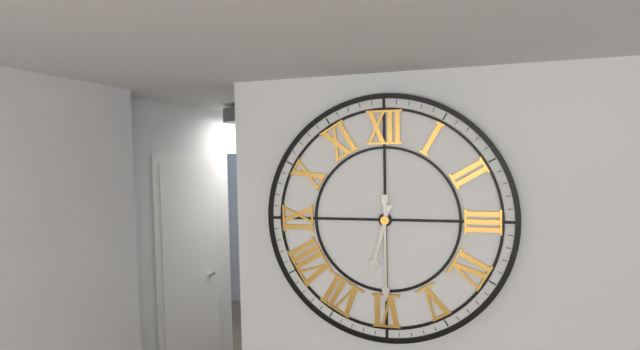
{"hour": 6, "minute": 30}
